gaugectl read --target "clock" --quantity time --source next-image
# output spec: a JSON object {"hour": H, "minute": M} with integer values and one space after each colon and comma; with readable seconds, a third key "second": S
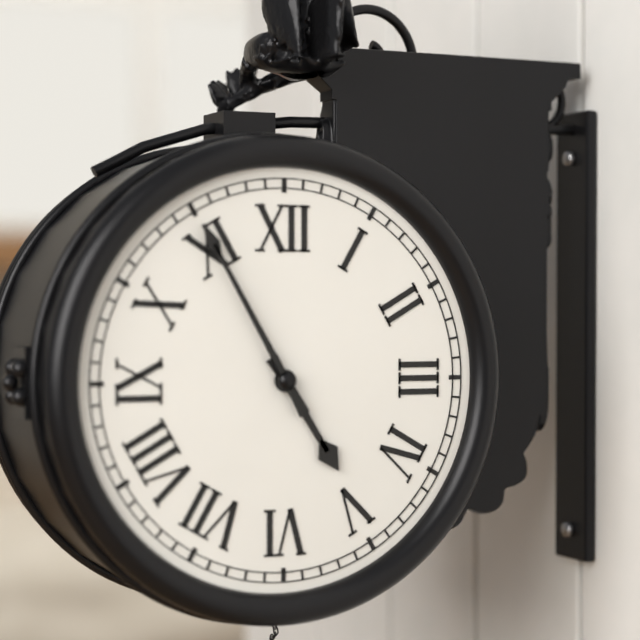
{"hour": 4, "minute": 55}
